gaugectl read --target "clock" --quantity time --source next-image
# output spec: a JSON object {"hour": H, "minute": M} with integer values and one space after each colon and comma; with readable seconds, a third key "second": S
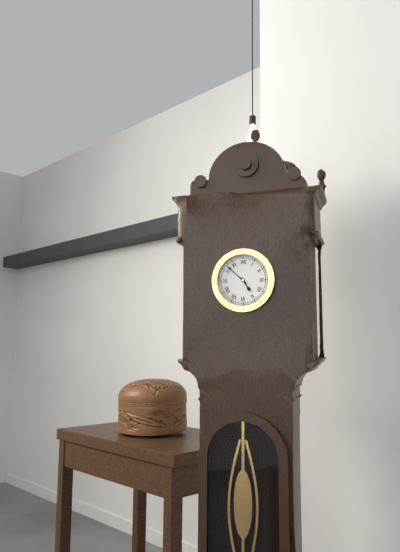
{"hour": 4, "minute": 52}
